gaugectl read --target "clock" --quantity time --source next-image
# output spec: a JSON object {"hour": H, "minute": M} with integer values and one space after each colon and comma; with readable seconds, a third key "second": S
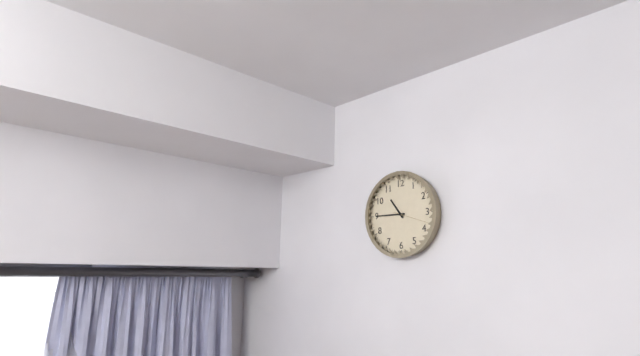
{"hour": 10, "minute": 45}
